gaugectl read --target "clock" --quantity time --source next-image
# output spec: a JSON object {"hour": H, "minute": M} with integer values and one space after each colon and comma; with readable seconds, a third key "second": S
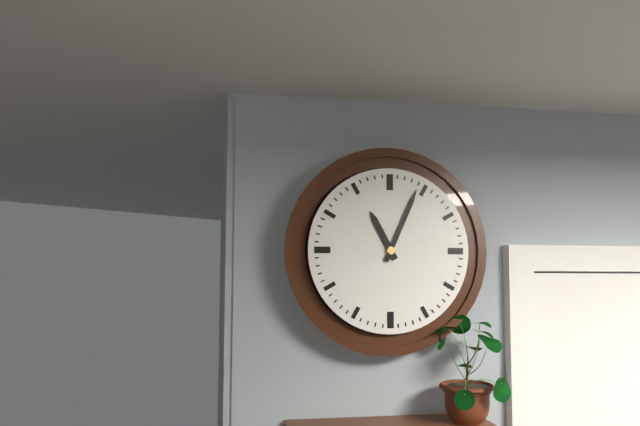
{"hour": 11, "minute": 4}
